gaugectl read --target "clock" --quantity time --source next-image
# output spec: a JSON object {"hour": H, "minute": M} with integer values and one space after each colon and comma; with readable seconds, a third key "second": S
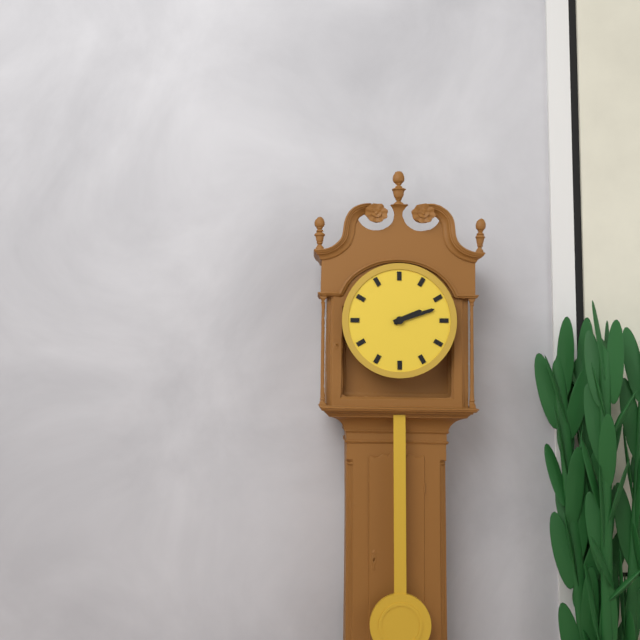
{"hour": 2, "minute": 12}
